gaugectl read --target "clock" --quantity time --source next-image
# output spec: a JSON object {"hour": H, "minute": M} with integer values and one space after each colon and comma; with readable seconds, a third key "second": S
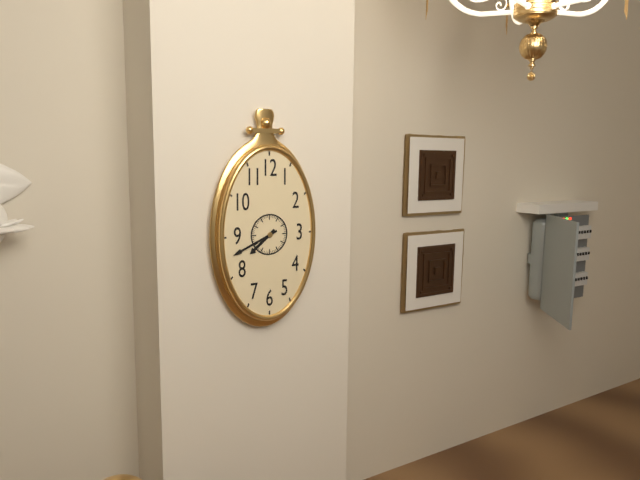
{"hour": 7, "minute": 41}
